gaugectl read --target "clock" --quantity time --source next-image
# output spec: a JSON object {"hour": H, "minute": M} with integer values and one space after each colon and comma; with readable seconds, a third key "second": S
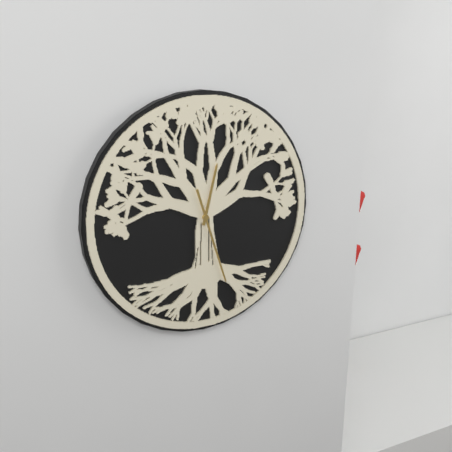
{"hour": 12, "minute": 27}
